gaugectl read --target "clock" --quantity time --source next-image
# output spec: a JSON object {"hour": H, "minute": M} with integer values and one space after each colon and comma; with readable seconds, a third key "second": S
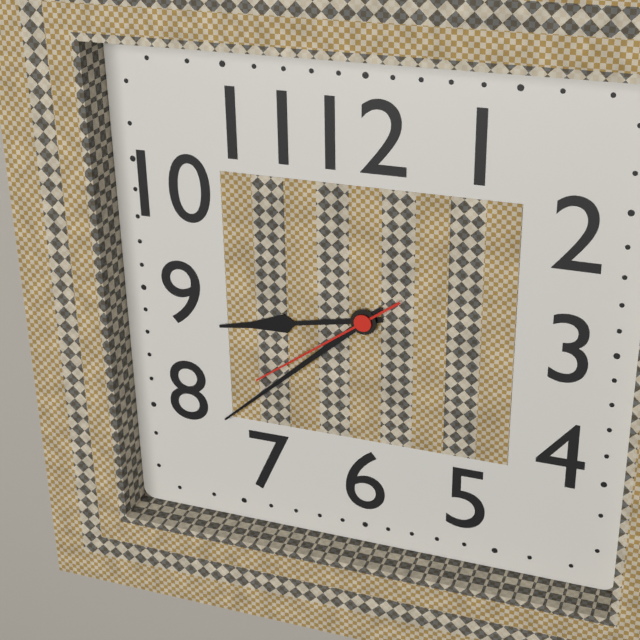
{"hour": 8, "minute": 38, "second": 39}
